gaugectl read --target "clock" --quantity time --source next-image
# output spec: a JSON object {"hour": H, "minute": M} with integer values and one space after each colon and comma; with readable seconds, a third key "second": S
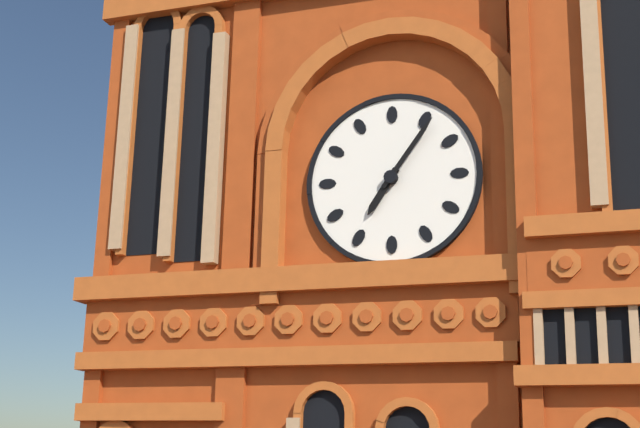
{"hour": 7, "minute": 6}
